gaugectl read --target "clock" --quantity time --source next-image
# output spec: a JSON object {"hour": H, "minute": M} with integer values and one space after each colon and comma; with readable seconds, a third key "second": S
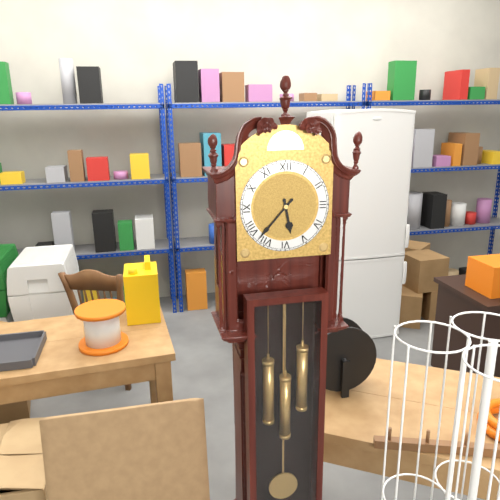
{"hour": 5, "minute": 37}
